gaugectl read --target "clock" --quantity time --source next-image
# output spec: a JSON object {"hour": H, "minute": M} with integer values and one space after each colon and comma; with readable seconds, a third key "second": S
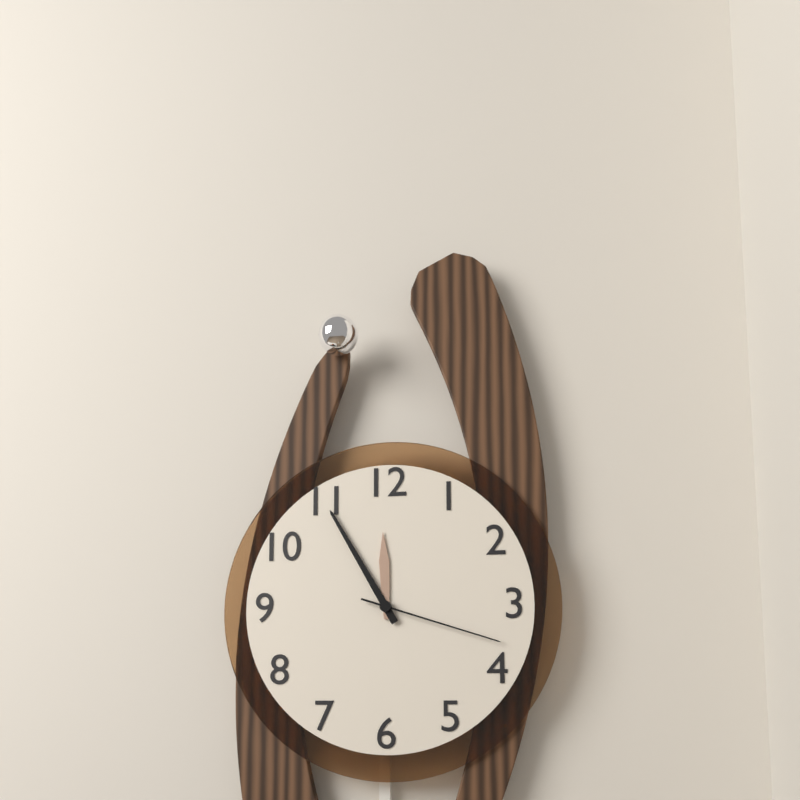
{"hour": 11, "minute": 55, "second": 18}
